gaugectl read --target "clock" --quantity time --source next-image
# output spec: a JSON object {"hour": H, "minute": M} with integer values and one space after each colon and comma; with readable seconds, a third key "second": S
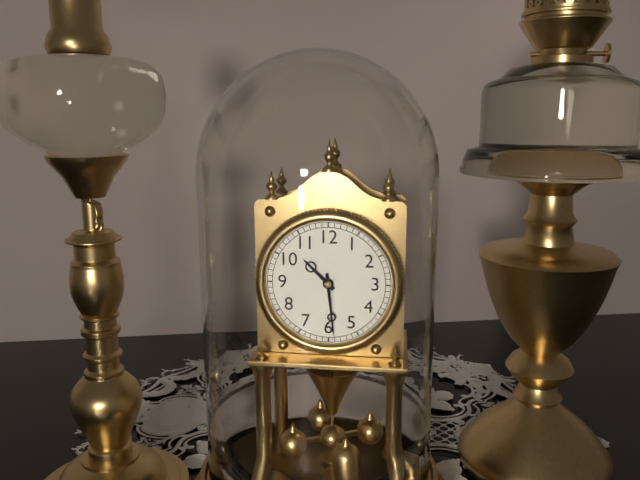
{"hour": 10, "minute": 29}
